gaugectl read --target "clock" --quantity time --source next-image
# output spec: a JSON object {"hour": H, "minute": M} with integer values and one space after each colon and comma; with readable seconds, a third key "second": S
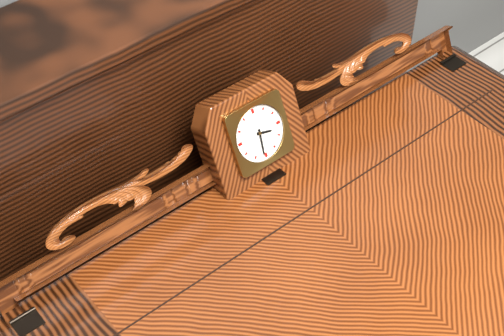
{"hour": 3, "minute": 31}
